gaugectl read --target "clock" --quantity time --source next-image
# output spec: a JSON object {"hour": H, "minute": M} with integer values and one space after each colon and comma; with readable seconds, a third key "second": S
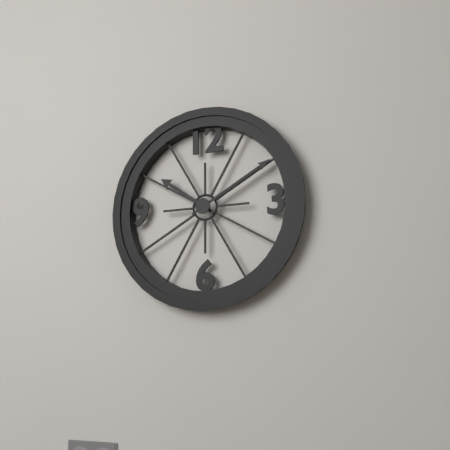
{"hour": 10, "minute": 10}
